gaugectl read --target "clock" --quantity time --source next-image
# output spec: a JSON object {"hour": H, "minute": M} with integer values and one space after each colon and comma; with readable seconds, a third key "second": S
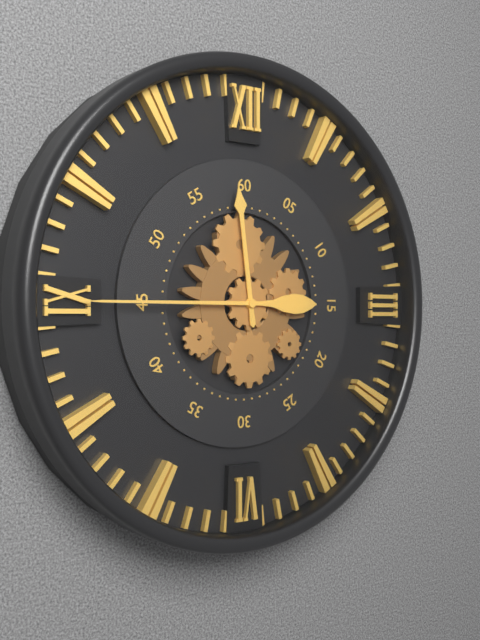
{"hour": 11, "minute": 45}
